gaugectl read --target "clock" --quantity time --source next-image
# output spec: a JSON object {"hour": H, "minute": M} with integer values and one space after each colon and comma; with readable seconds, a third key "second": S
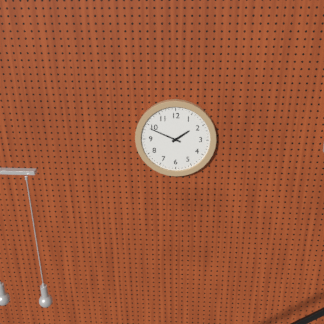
{"hour": 1, "minute": 49}
